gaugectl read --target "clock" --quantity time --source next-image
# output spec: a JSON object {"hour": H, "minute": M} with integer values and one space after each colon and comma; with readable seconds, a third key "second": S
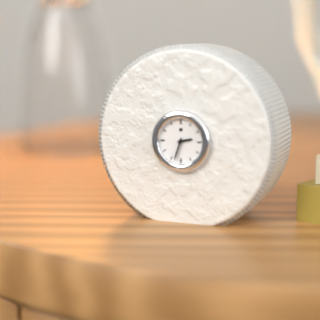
{"hour": 2, "minute": 33}
